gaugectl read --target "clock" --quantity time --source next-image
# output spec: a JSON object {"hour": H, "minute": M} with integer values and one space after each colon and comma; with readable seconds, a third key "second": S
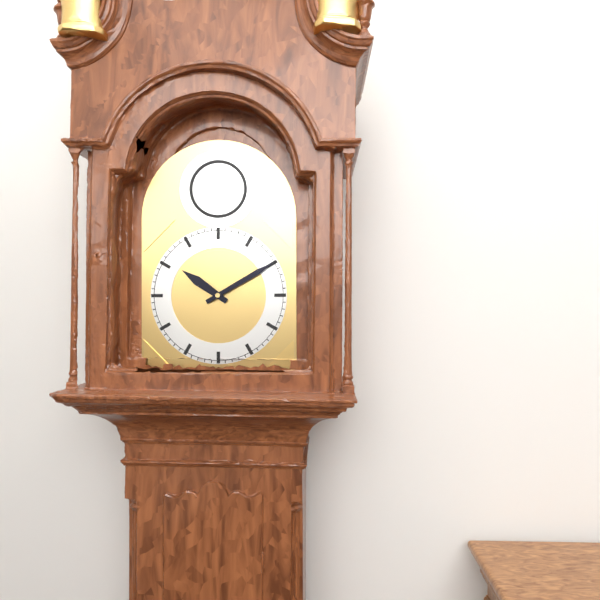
{"hour": 10, "minute": 10}
